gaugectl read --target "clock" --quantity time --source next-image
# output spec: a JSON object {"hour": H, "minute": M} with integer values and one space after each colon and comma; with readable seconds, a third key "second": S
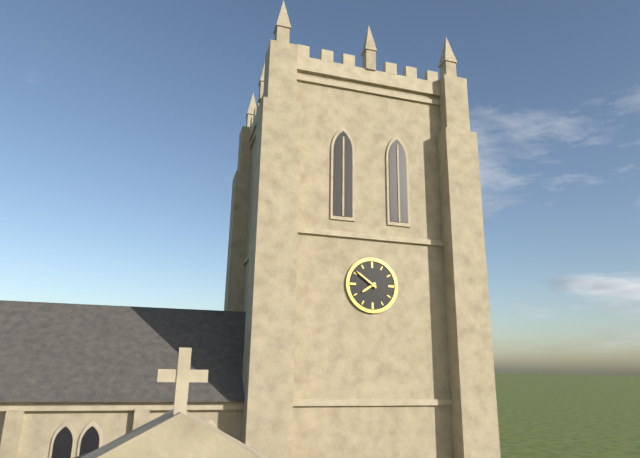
{"hour": 7, "minute": 51}
